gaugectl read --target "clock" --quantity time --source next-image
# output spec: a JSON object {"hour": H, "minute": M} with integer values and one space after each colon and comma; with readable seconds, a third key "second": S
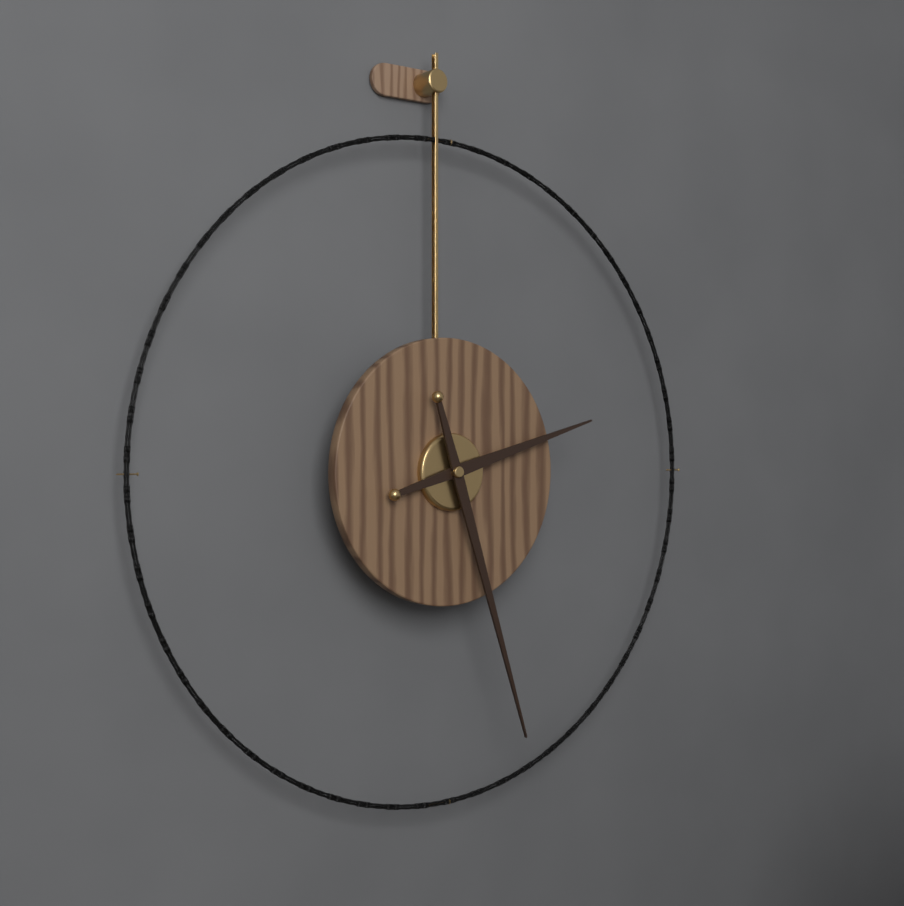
{"hour": 2, "minute": 27}
